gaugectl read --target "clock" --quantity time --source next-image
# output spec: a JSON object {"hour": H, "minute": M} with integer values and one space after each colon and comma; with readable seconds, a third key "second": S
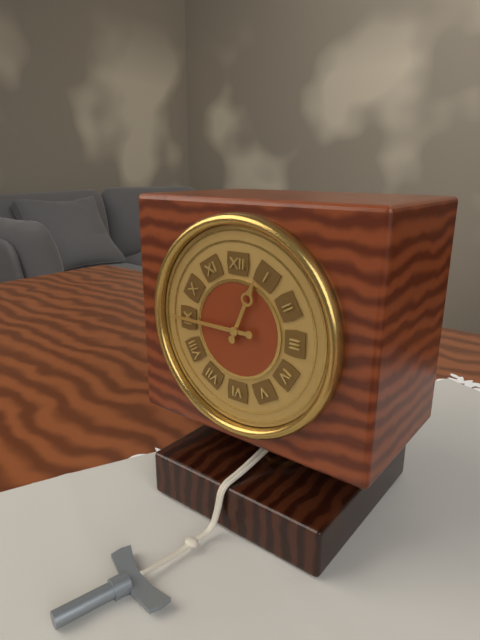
{"hour": 12, "minute": 45}
